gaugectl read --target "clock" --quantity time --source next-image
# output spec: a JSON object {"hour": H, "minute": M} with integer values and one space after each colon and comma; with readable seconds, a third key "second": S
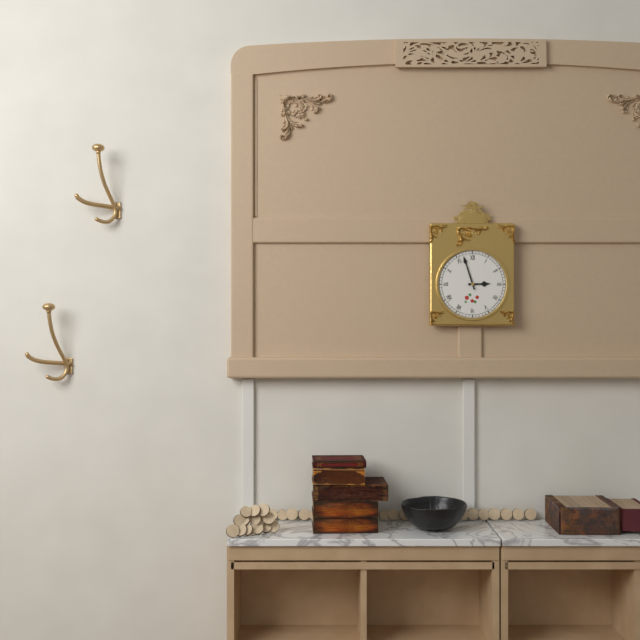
{"hour": 2, "minute": 57}
